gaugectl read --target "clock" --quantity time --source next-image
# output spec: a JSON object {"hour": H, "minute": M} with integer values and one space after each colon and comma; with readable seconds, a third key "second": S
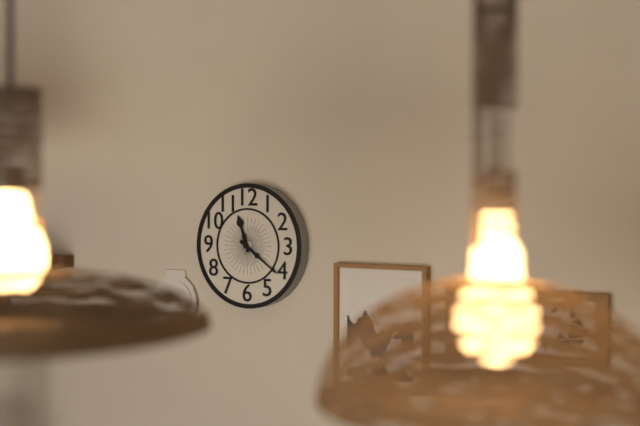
{"hour": 11, "minute": 21}
